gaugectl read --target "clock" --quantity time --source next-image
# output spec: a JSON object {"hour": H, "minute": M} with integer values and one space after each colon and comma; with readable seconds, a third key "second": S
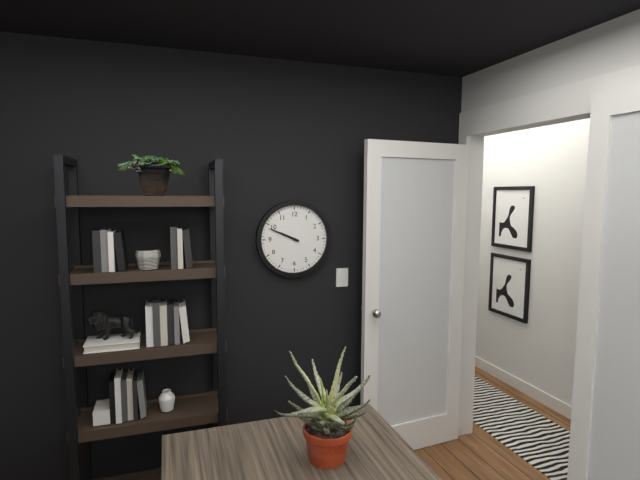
{"hour": 9, "minute": 49}
